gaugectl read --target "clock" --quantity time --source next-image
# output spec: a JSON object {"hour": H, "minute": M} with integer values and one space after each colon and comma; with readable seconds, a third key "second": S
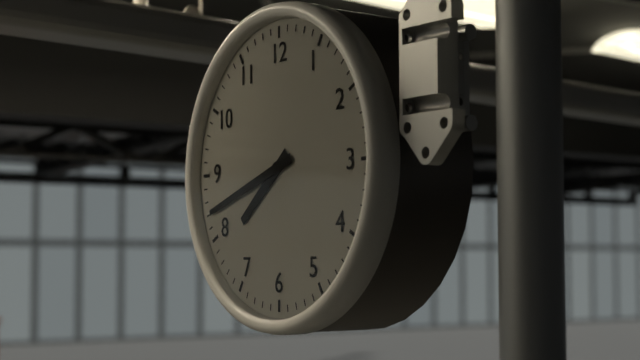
{"hour": 7, "minute": 42}
